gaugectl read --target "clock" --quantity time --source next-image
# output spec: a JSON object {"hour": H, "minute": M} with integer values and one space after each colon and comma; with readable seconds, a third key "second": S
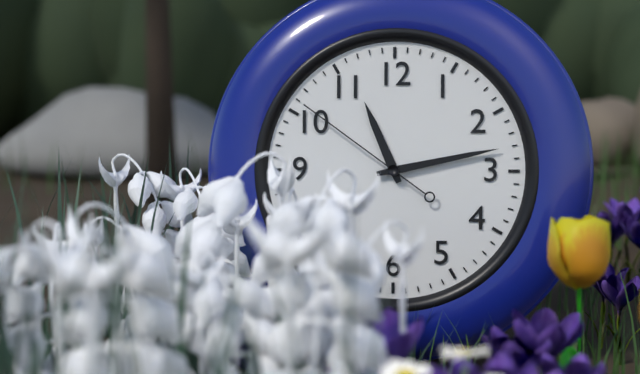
{"hour": 11, "minute": 13, "second": 51}
